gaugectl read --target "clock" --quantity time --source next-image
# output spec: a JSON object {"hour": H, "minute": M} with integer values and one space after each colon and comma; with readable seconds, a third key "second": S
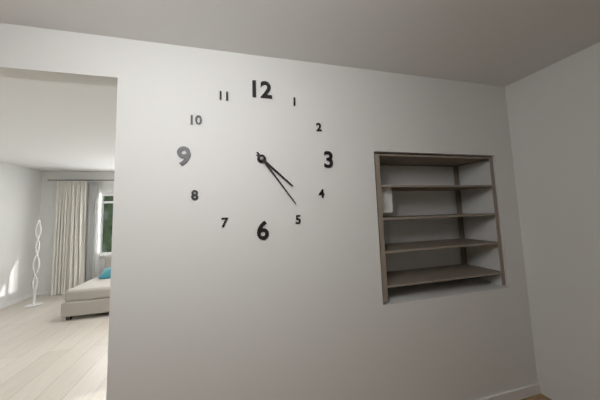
{"hour": 4, "minute": 24}
